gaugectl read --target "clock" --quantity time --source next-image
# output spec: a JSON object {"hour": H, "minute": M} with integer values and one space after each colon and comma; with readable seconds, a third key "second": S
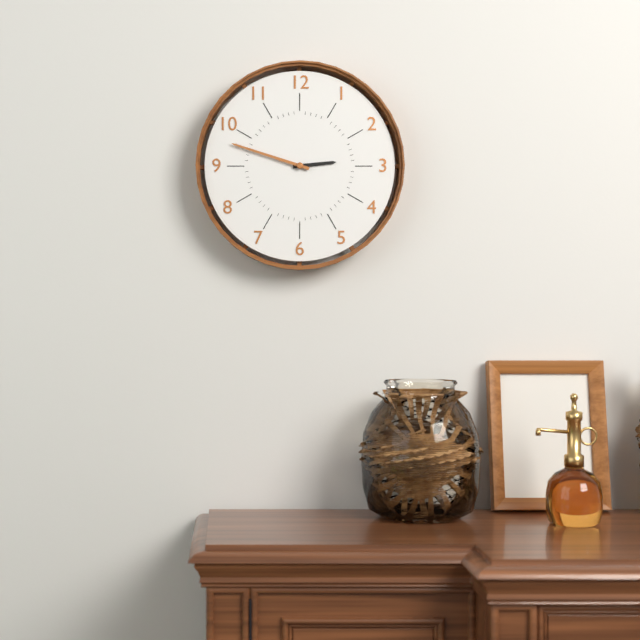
{"hour": 2, "minute": 48}
